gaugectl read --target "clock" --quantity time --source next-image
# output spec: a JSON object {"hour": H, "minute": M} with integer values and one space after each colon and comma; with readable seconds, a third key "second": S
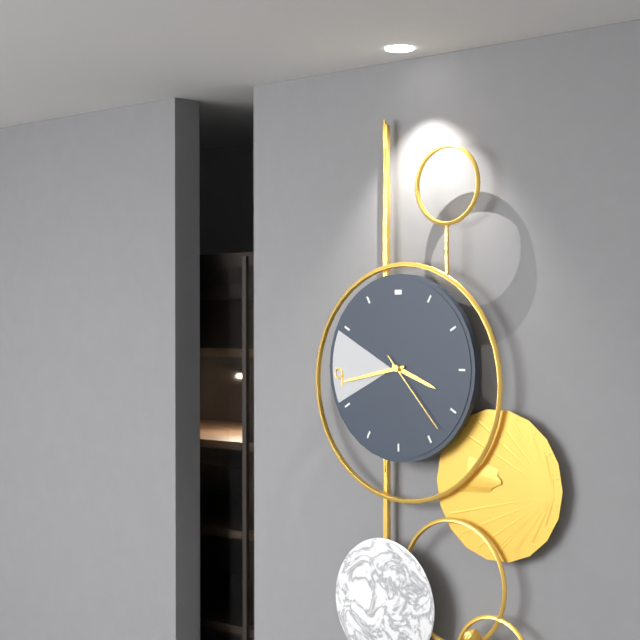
{"hour": 3, "minute": 43, "second": 23}
